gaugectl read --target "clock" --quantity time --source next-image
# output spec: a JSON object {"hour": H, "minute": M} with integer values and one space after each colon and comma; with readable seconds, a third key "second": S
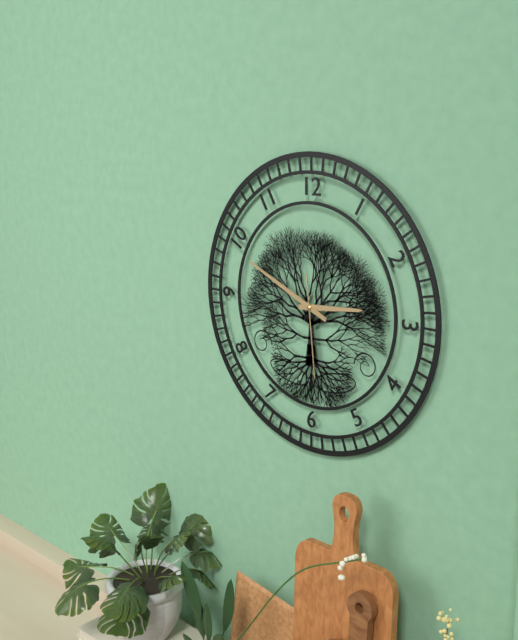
{"hour": 2, "minute": 49, "second": 29}
